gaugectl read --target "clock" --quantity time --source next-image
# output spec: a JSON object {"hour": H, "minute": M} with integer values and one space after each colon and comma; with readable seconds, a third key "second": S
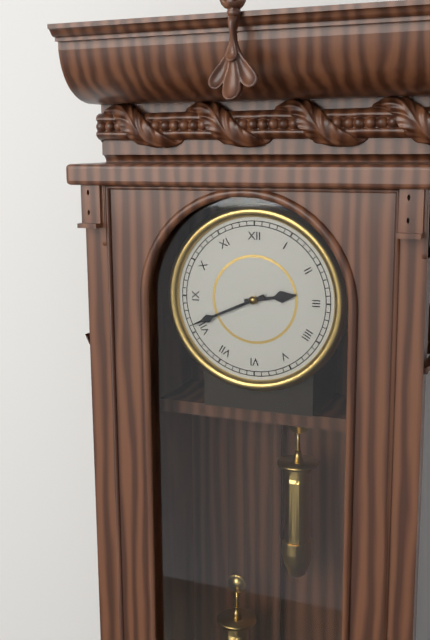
{"hour": 2, "minute": 41}
